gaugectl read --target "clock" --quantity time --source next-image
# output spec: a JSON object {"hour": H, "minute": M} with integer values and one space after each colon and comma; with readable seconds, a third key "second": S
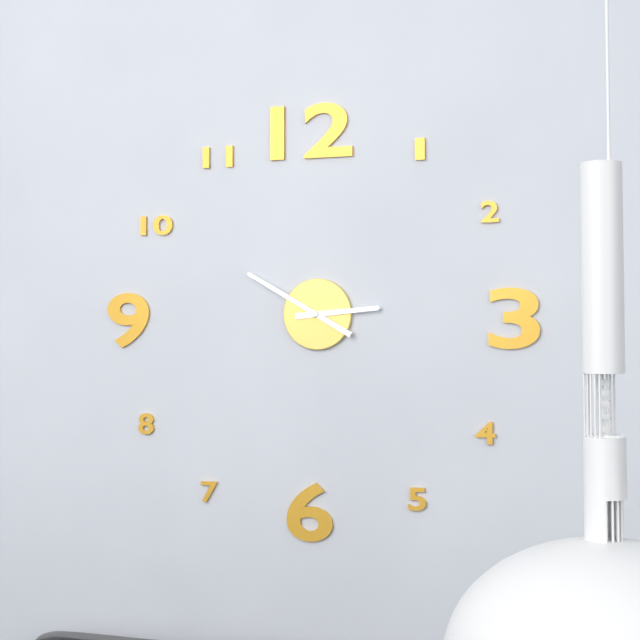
{"hour": 2, "minute": 50}
